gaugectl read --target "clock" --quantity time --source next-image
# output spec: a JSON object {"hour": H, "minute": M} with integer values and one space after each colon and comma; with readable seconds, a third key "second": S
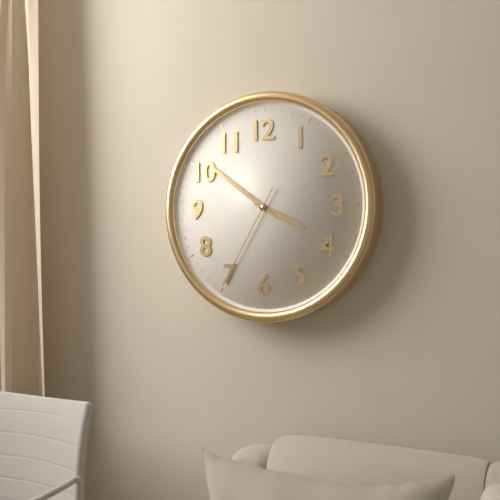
{"hour": 3, "minute": 51, "second": 35}
